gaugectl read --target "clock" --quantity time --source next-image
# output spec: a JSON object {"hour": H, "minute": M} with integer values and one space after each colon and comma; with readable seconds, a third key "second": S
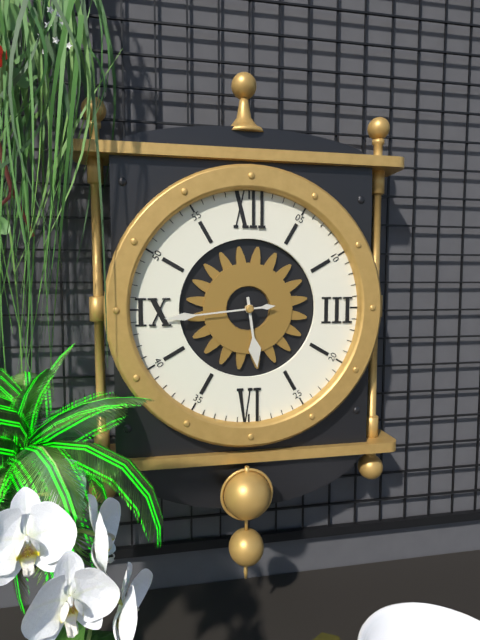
{"hour": 5, "minute": 44}
